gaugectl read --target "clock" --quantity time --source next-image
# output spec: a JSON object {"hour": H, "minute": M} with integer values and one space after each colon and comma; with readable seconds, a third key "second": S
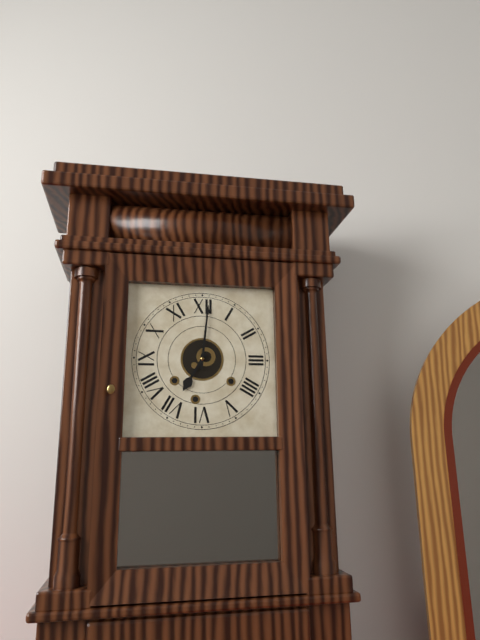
{"hour": 7, "minute": 1}
